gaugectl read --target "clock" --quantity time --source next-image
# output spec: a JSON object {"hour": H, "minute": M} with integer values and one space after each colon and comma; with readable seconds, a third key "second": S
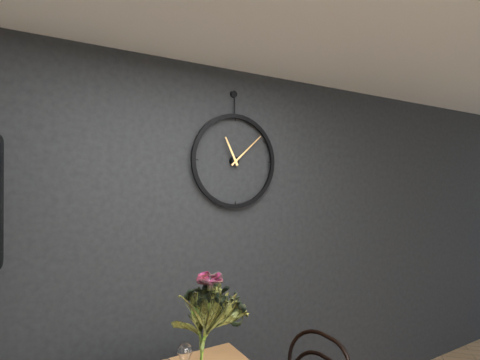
{"hour": 11, "minute": 8}
